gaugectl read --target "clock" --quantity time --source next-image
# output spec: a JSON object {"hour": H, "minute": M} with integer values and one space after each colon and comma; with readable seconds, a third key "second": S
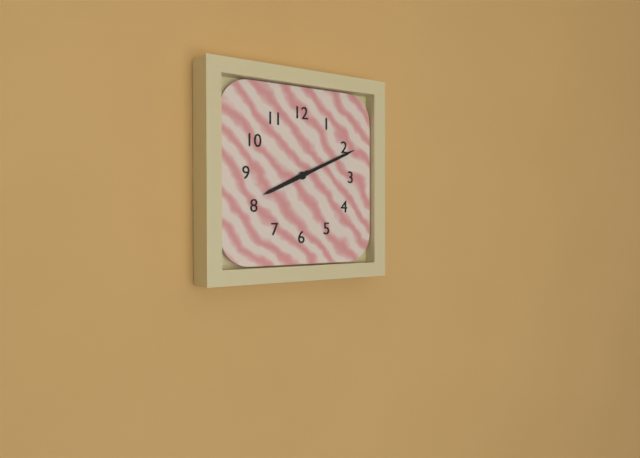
{"hour": 8, "minute": 11}
